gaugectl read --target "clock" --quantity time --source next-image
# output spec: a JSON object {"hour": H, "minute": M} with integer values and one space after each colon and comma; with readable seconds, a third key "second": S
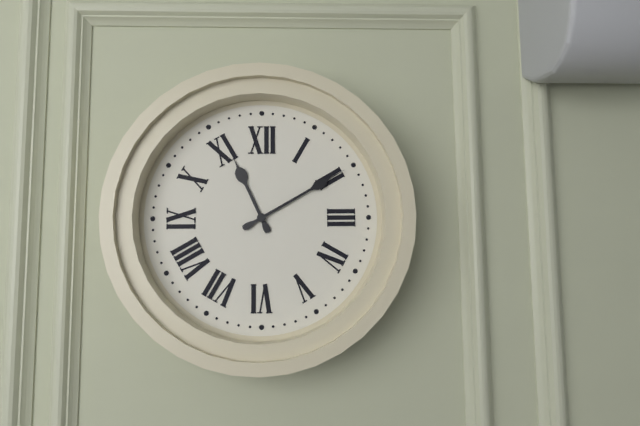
{"hour": 11, "minute": 10}
